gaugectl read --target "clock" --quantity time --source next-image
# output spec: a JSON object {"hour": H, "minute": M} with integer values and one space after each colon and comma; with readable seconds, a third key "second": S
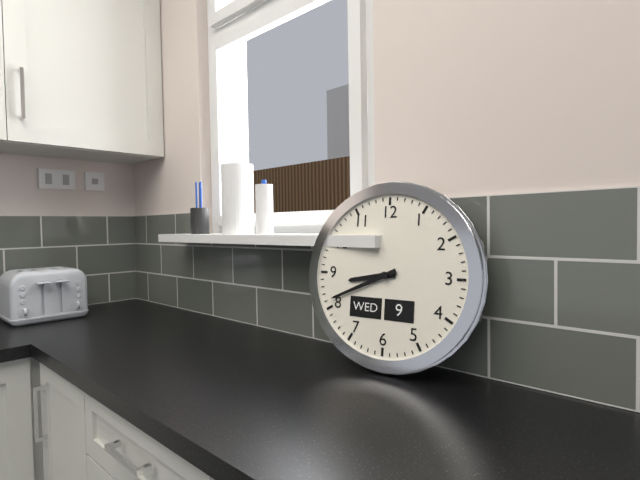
{"hour": 8, "minute": 41}
